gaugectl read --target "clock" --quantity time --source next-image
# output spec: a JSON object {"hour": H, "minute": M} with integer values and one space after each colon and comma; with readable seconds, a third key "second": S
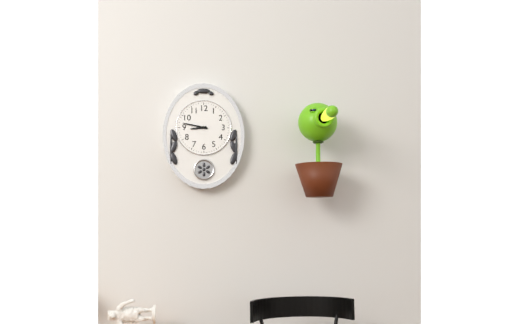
{"hour": 8, "minute": 47}
